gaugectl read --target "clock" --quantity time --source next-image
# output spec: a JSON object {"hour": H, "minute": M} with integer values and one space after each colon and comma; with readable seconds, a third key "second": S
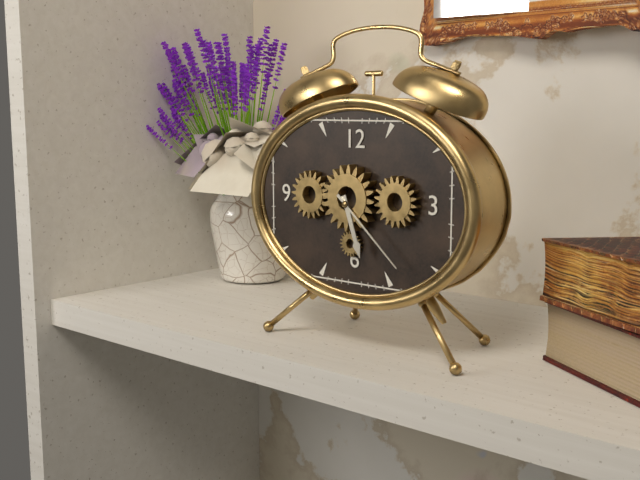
{"hour": 5, "minute": 22}
